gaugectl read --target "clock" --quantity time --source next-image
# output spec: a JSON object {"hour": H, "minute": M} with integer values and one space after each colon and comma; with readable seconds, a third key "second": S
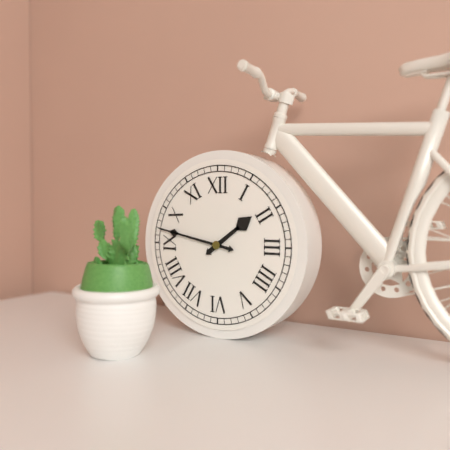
{"hour": 1, "minute": 47}
